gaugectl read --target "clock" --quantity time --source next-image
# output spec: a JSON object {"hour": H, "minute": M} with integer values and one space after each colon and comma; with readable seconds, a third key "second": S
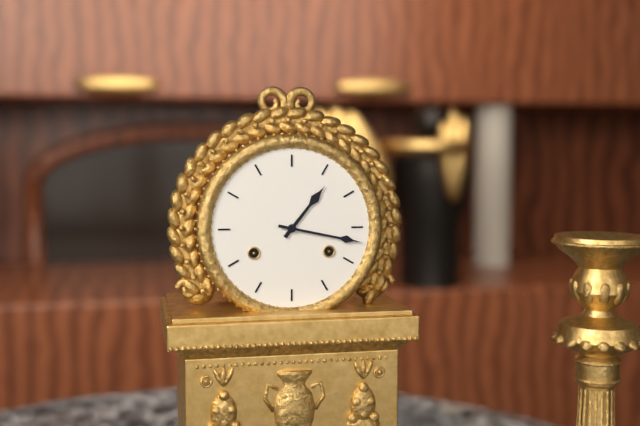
{"hour": 1, "minute": 17}
